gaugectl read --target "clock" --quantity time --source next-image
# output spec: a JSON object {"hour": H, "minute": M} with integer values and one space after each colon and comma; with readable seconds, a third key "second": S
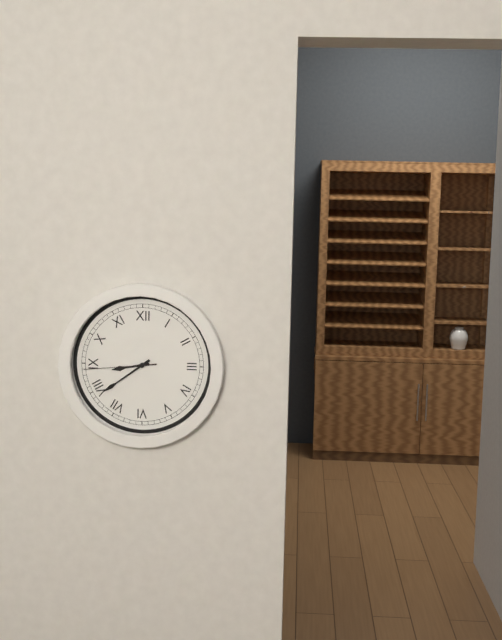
{"hour": 8, "minute": 39, "second": 44}
